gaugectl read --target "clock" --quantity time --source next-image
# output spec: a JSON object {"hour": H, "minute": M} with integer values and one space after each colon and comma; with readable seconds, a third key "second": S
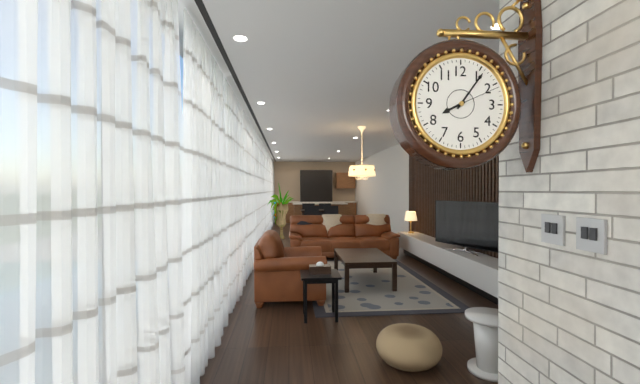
{"hour": 8, "minute": 6, "second": 11}
